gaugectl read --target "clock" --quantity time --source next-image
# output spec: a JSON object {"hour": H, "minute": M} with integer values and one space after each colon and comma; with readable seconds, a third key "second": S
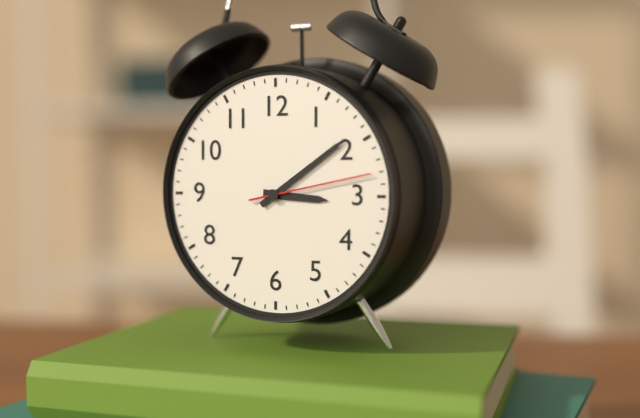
{"hour": 3, "minute": 9, "second": 13}
